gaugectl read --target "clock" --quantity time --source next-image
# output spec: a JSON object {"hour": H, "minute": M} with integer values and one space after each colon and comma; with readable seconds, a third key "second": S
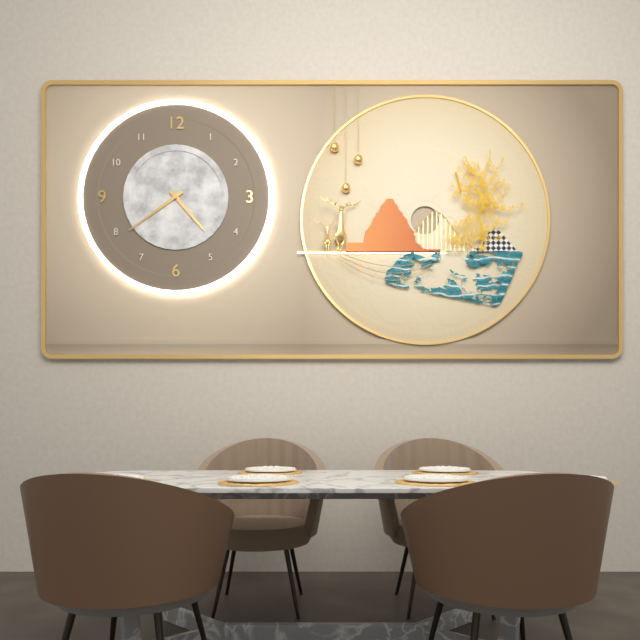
{"hour": 4, "minute": 39}
